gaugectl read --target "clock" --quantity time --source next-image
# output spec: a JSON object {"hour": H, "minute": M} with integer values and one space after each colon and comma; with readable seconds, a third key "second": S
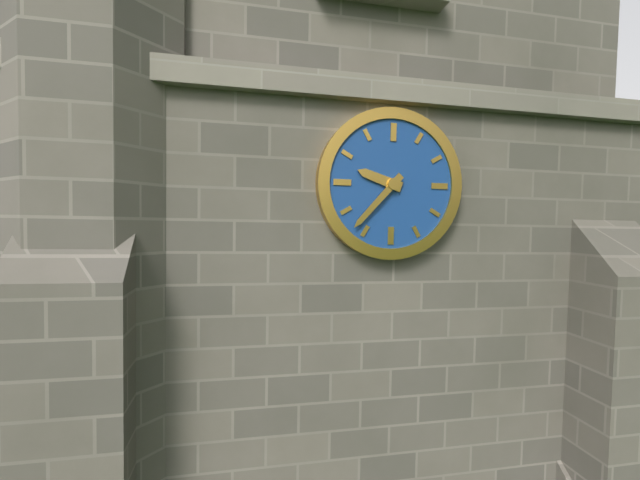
{"hour": 9, "minute": 37}
